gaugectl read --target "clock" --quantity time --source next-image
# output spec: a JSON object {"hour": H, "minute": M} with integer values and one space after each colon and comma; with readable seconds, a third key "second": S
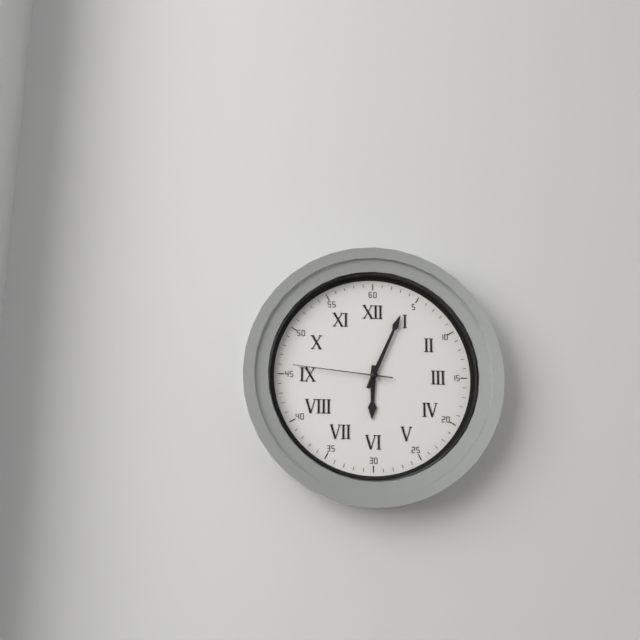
{"hour": 6, "minute": 4, "second": 46}
